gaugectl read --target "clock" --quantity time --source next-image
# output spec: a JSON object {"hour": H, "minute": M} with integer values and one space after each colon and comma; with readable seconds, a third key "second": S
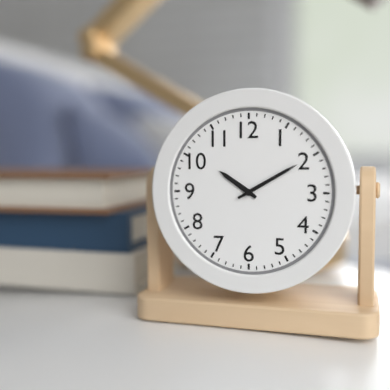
{"hour": 10, "minute": 10}
